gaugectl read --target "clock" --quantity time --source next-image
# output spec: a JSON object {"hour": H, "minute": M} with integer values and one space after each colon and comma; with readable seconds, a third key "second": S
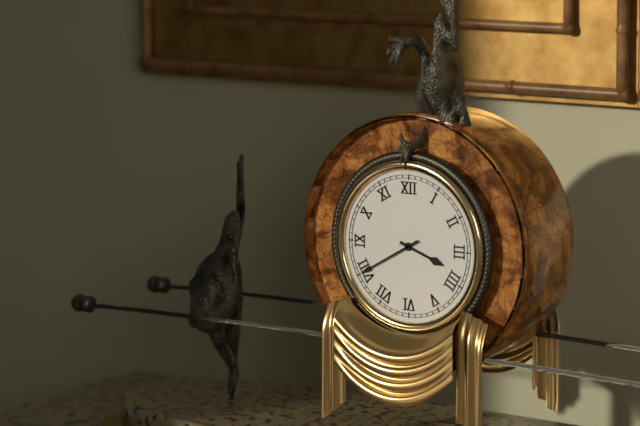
{"hour": 3, "minute": 40}
